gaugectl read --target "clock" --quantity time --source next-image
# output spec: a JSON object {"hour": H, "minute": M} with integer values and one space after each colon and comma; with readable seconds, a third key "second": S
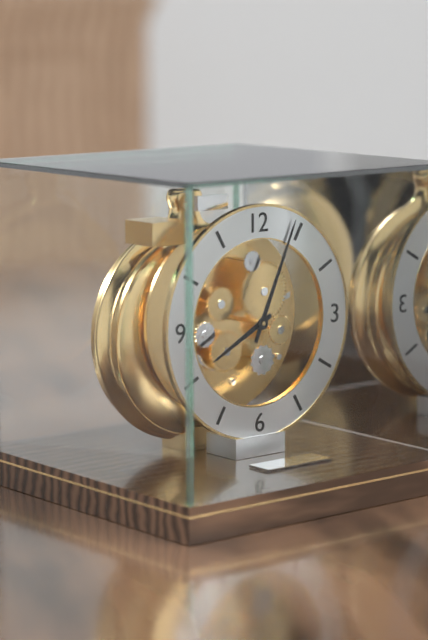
{"hour": 8, "minute": 4}
